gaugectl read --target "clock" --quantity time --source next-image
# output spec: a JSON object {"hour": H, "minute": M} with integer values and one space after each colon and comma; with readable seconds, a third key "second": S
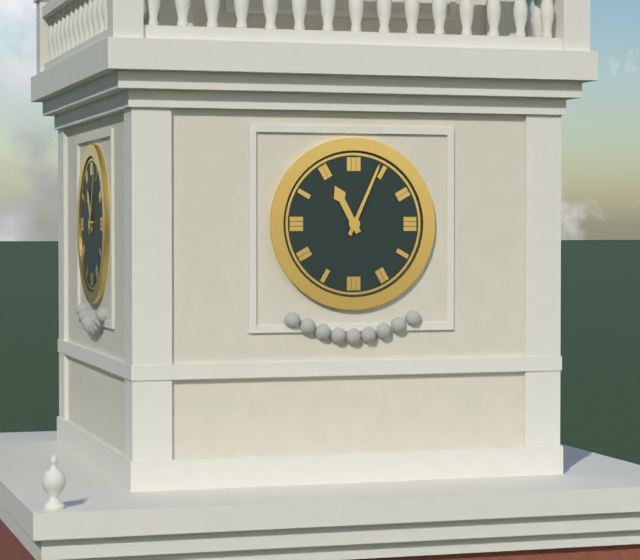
{"hour": 11, "minute": 4}
